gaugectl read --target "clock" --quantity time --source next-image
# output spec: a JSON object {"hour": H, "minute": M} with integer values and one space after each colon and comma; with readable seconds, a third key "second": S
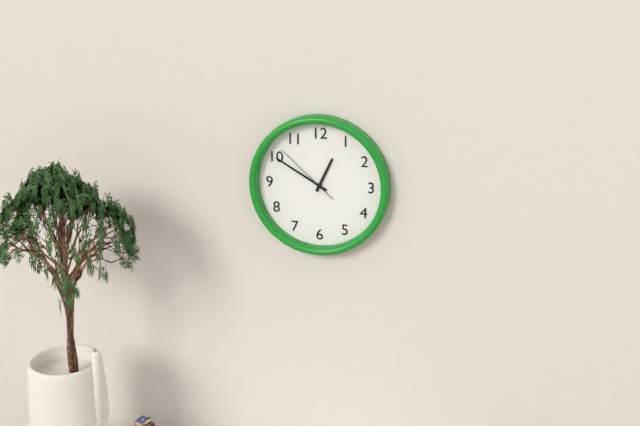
{"hour": 12, "minute": 50, "second": 52}
